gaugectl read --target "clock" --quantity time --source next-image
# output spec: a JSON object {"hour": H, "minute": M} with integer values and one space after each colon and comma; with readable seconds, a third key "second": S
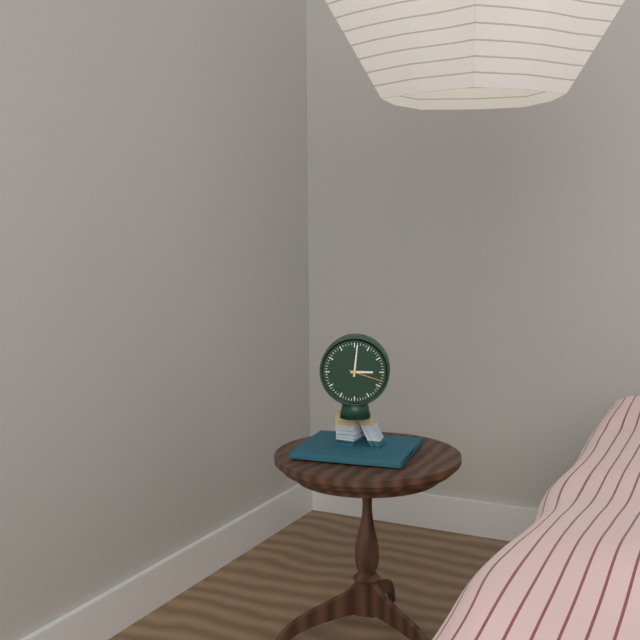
{"hour": 3, "minute": 1}
